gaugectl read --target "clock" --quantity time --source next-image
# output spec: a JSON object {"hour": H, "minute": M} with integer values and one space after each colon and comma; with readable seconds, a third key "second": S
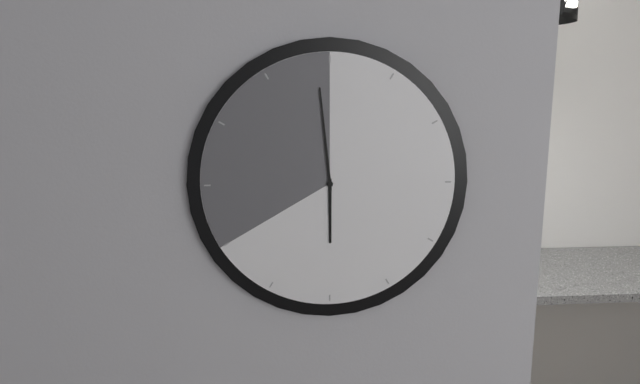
{"hour": 5, "minute": 59}
